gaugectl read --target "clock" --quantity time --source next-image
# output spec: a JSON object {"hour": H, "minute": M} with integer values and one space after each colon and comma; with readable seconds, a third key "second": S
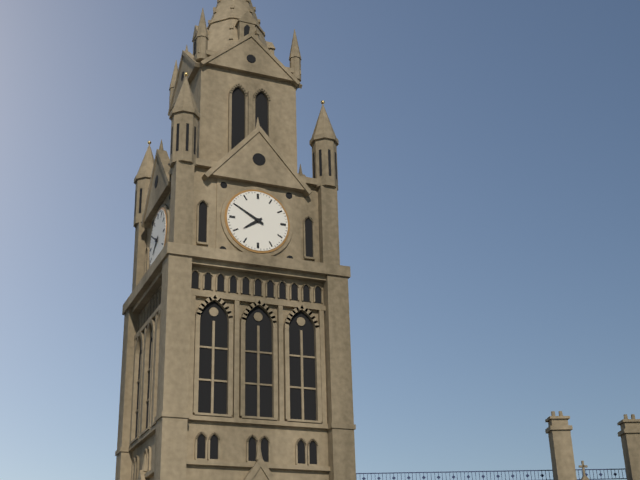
{"hour": 7, "minute": 50}
